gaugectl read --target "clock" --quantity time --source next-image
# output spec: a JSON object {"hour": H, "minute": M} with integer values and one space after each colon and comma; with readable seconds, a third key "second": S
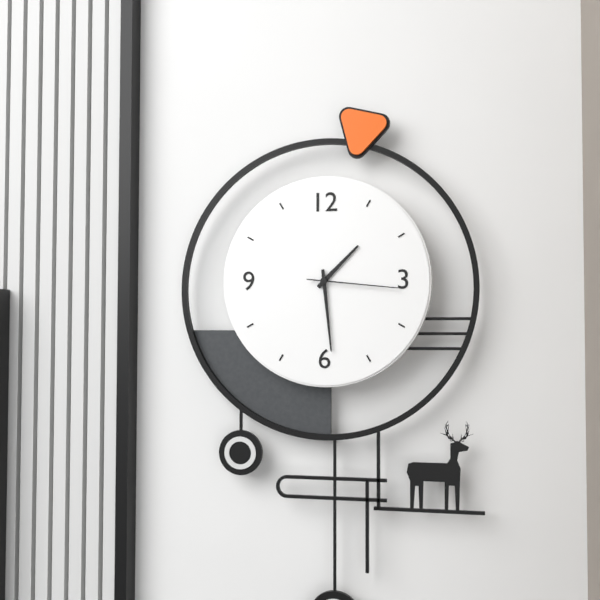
{"hour": 1, "minute": 29, "second": 16}
